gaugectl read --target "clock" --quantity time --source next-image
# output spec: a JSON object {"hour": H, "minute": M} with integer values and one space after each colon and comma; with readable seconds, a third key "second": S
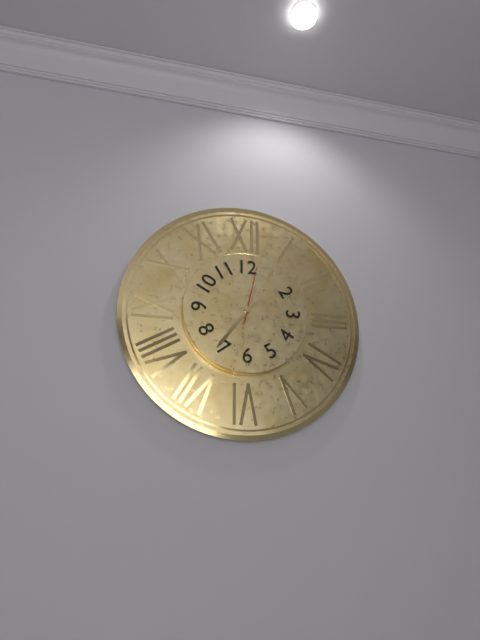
{"hour": 12, "minute": 36, "second": 2}
